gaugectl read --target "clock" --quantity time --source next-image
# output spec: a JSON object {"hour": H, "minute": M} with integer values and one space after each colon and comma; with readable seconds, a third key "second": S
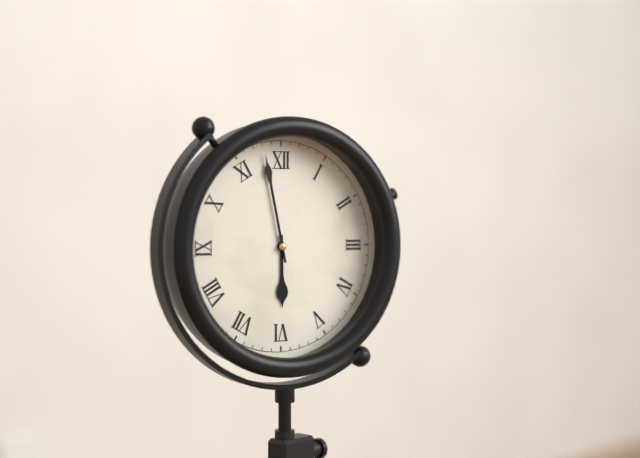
{"hour": 5, "minute": 58}
